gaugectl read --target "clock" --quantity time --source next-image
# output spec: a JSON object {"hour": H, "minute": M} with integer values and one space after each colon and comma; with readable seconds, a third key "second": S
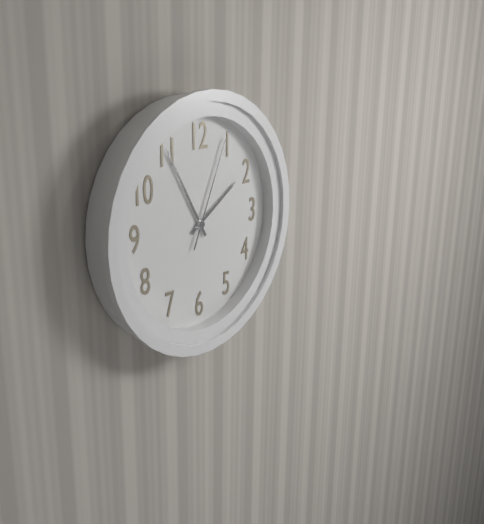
{"hour": 1, "minute": 55, "second": 4}
